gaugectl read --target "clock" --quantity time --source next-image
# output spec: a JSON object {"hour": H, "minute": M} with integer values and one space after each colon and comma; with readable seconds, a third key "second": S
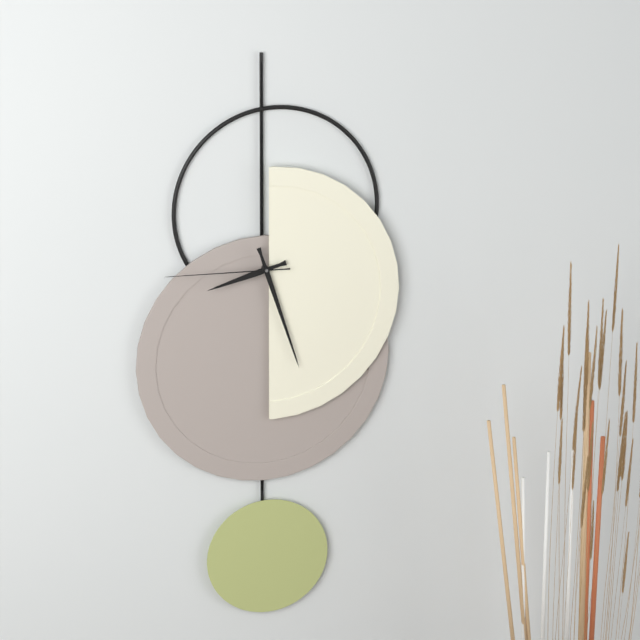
{"hour": 8, "minute": 27, "second": 45}
